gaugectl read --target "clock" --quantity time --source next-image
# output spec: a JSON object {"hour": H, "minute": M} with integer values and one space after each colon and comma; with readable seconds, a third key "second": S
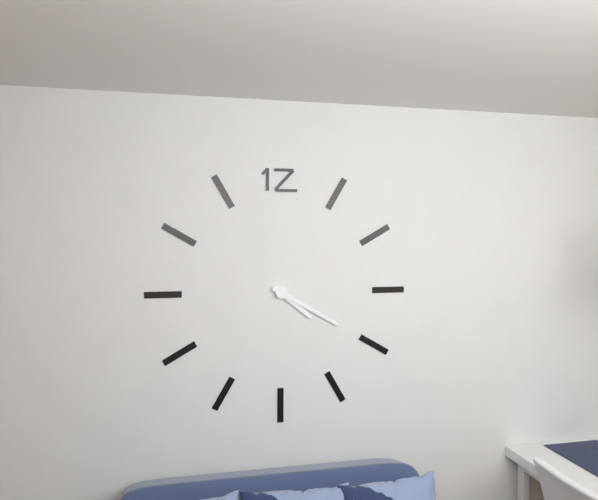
{"hour": 4, "minute": 20}
